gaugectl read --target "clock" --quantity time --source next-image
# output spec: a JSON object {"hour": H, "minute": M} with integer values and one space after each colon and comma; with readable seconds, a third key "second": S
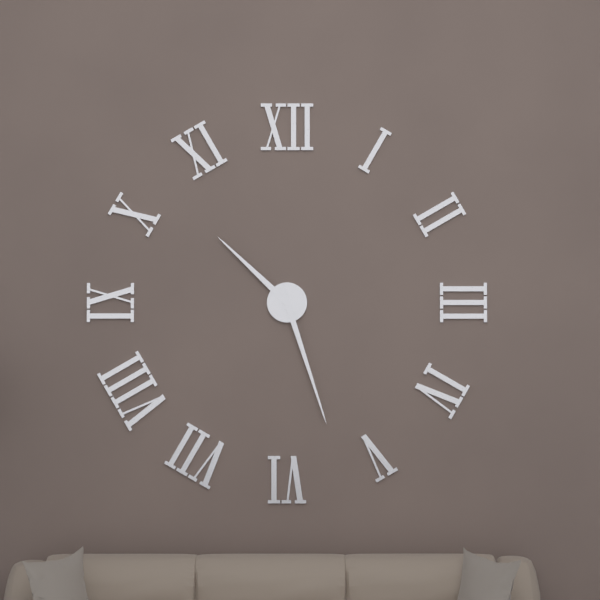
{"hour": 10, "minute": 27}
